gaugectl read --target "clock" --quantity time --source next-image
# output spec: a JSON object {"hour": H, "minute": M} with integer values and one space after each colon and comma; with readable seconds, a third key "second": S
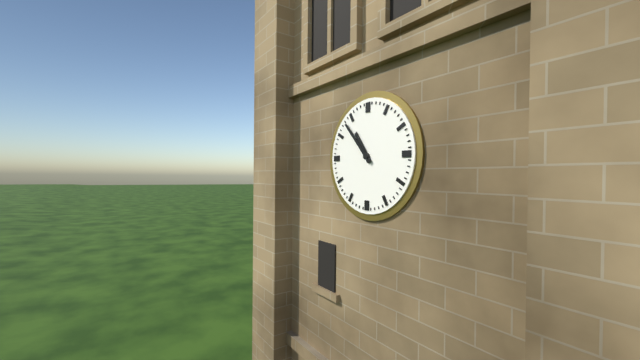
{"hour": 10, "minute": 53}
